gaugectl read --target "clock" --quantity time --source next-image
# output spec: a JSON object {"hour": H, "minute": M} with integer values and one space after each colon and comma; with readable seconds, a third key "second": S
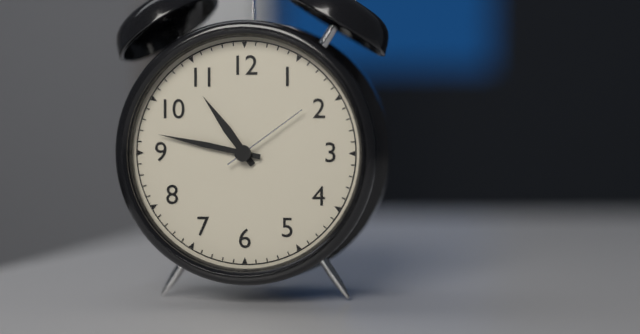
{"hour": 10, "minute": 47, "second": 9}
